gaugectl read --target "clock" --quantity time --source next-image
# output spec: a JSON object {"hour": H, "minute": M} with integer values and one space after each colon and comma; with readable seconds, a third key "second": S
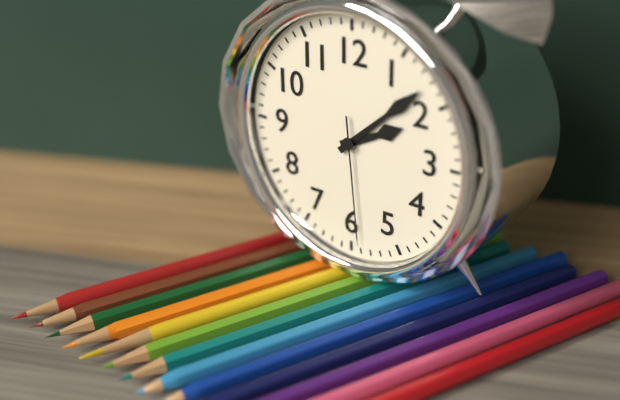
{"hour": 2, "minute": 8, "second": 29}
